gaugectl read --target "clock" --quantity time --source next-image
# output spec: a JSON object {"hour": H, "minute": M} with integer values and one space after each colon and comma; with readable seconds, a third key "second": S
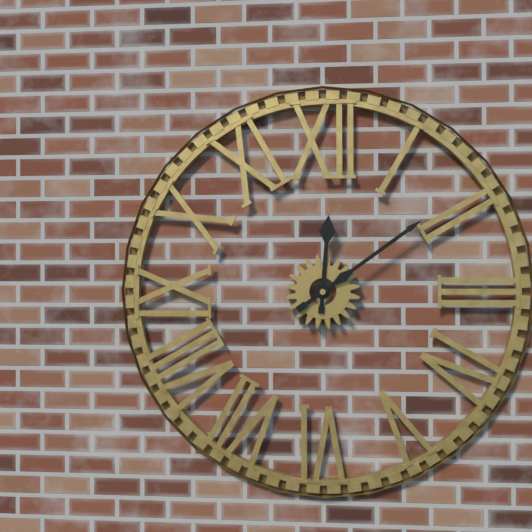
{"hour": 12, "minute": 9}
